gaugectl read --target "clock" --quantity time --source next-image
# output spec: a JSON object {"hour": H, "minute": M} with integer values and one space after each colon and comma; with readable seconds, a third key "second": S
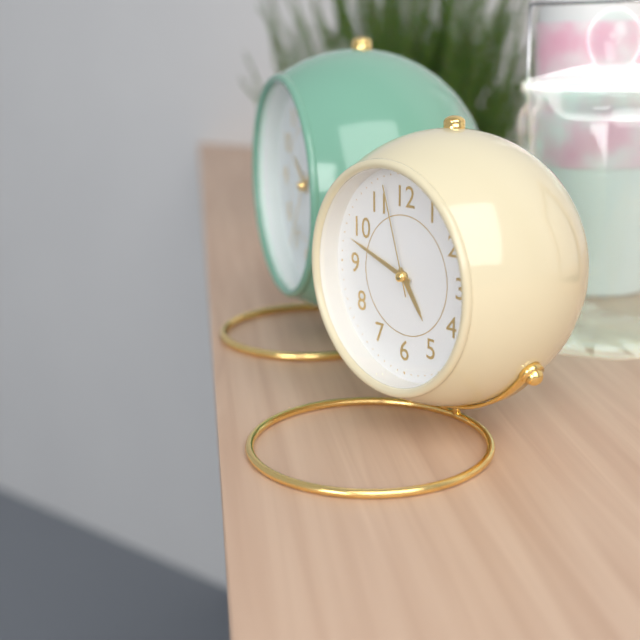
{"hour": 4, "minute": 48, "second": 57}
